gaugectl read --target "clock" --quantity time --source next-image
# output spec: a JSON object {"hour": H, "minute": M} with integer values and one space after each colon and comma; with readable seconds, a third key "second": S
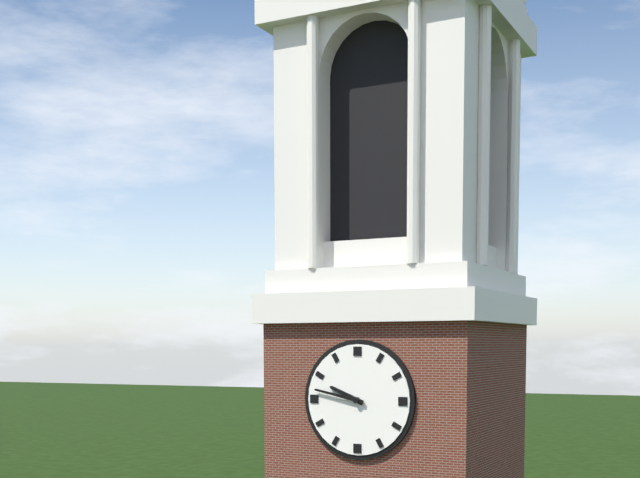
{"hour": 9, "minute": 47}
